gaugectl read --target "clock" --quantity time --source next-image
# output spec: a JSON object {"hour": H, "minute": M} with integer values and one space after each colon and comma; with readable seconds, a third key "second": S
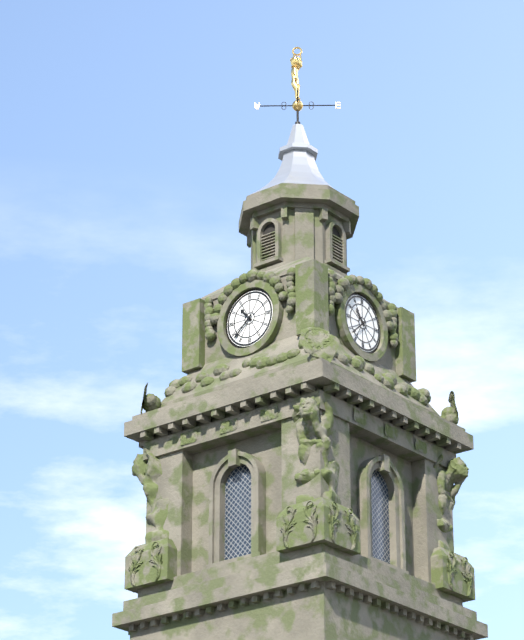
{"hour": 10, "minute": 38}
